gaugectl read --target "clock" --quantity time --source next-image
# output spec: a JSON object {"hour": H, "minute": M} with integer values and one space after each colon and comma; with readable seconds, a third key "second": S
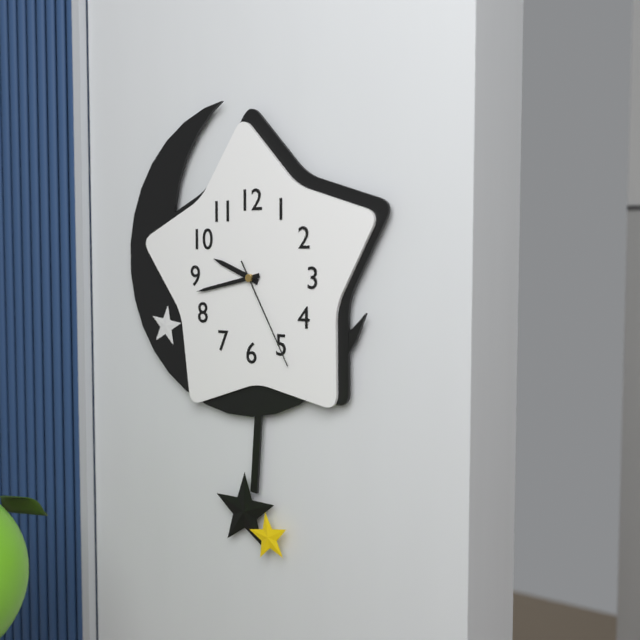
{"hour": 9, "minute": 43, "second": 25}
